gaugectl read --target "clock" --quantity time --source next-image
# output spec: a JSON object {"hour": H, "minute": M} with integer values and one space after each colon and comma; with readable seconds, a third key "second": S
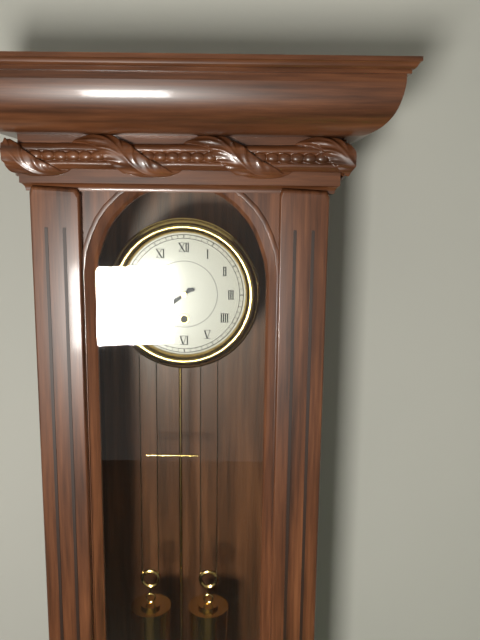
{"hour": 7, "minute": 40}
